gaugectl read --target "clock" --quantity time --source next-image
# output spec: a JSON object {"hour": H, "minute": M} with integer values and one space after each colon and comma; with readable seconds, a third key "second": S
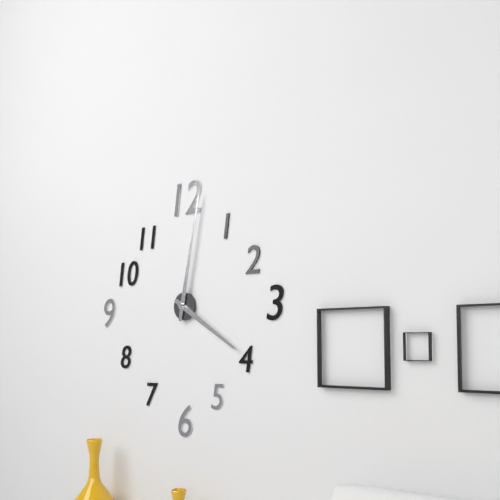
{"hour": 4, "minute": 2}
